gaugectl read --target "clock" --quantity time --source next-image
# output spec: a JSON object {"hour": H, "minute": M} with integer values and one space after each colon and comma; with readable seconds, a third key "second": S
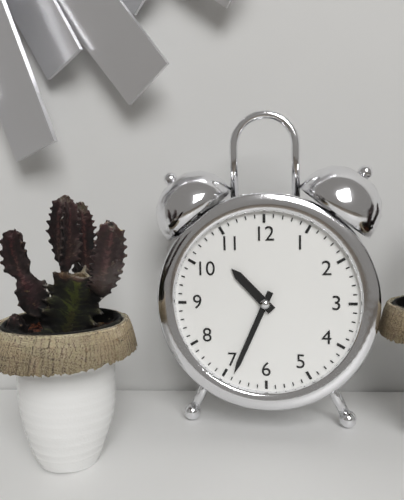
{"hour": 10, "minute": 34}
